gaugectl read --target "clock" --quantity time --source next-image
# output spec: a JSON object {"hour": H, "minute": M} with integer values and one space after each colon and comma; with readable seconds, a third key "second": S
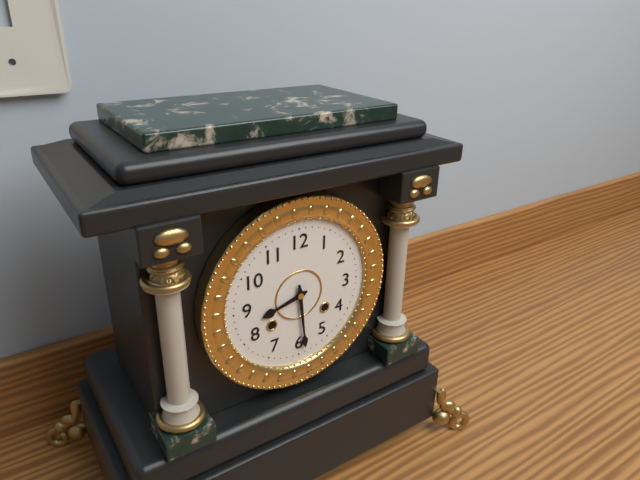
{"hour": 8, "minute": 29}
